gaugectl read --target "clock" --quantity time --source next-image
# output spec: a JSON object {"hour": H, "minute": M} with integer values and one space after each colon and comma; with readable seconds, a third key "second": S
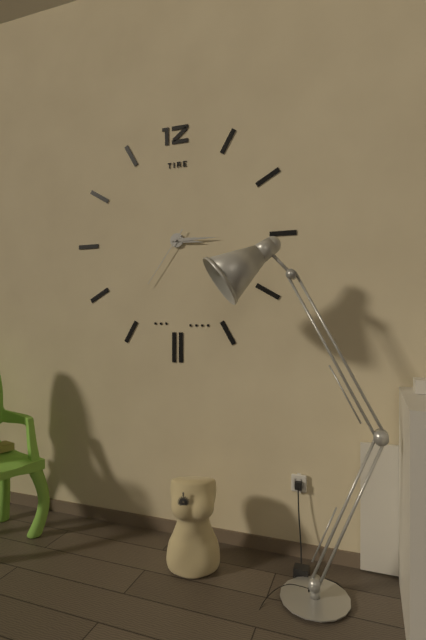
{"hour": 3, "minute": 15, "second": 36}
